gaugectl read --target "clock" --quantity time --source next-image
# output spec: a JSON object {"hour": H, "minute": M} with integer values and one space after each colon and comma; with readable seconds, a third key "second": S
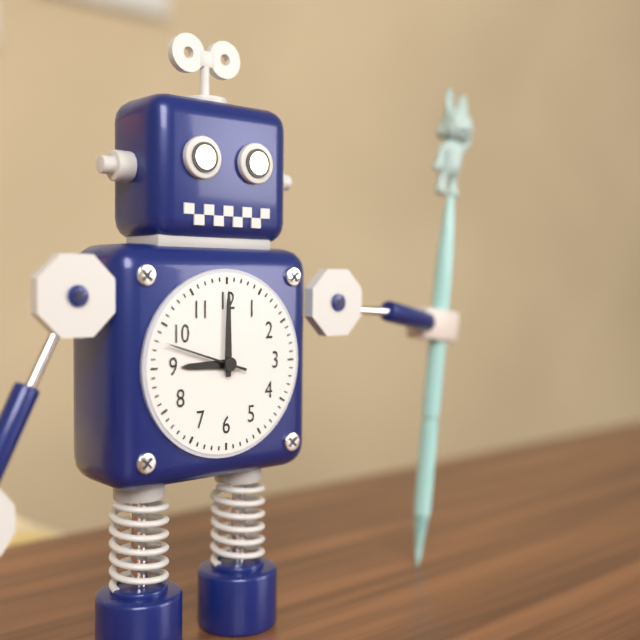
{"hour": 9, "minute": 0, "second": 48}
